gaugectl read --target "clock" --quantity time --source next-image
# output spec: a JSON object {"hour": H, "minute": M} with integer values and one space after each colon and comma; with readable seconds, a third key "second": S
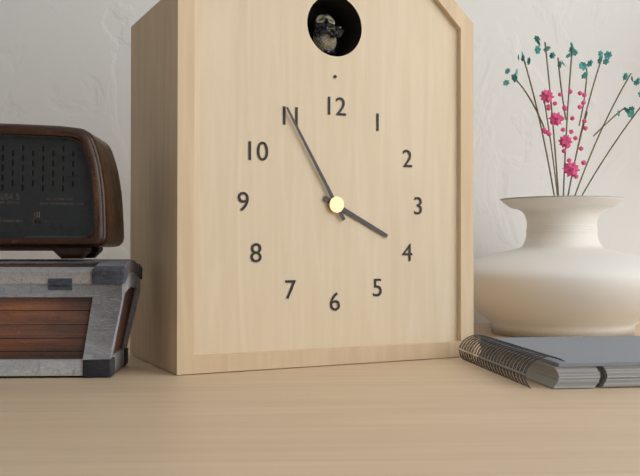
{"hour": 3, "minute": 55}
